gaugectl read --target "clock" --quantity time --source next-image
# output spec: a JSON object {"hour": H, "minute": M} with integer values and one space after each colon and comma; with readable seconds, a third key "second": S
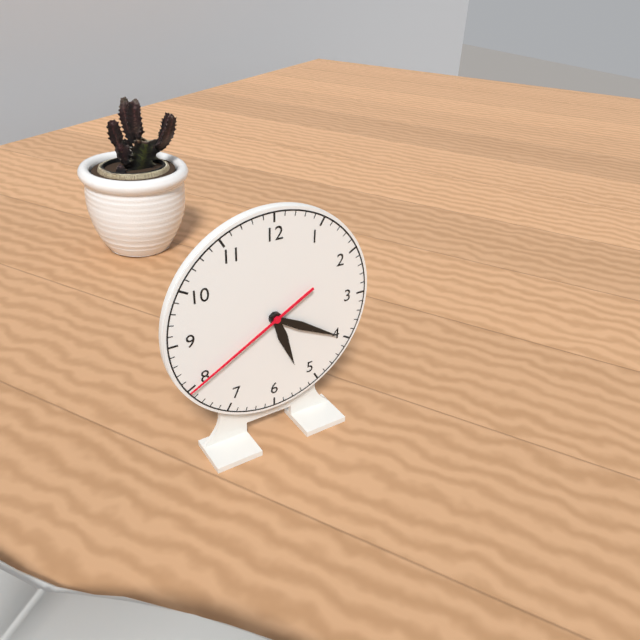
{"hour": 5, "minute": 20, "second": 40}
